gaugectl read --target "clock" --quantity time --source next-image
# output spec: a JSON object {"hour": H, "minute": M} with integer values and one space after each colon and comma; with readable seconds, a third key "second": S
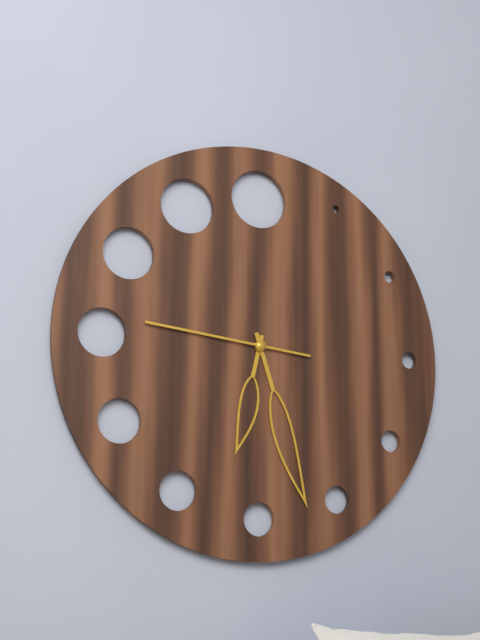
{"hour": 6, "minute": 27, "second": 46}
